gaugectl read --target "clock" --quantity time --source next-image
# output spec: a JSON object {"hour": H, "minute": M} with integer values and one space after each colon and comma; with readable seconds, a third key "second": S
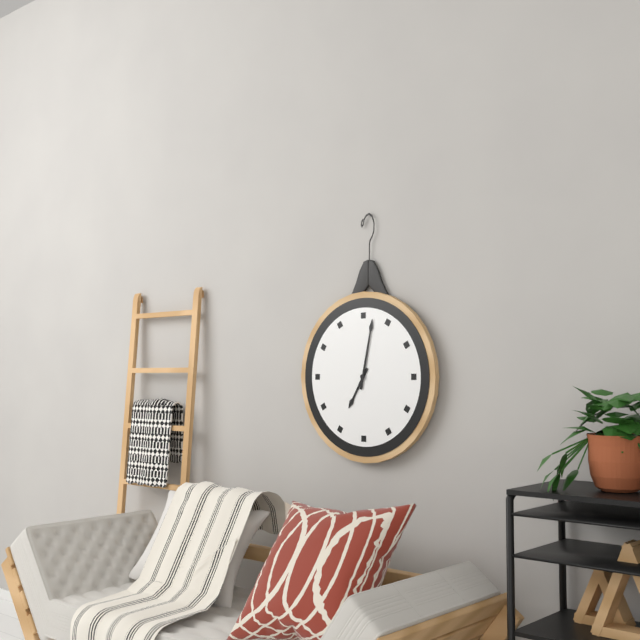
{"hour": 7, "minute": 2}
